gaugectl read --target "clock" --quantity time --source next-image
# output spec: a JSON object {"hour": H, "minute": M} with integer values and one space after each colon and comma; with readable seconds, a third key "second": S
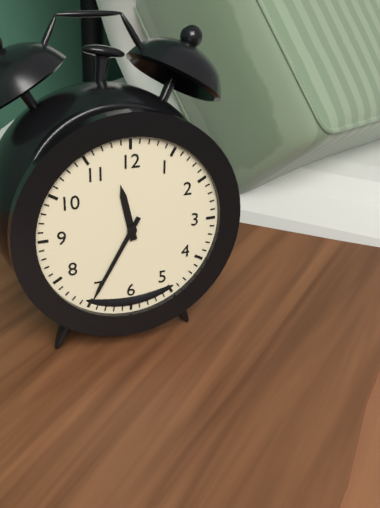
{"hour": 11, "minute": 35}
